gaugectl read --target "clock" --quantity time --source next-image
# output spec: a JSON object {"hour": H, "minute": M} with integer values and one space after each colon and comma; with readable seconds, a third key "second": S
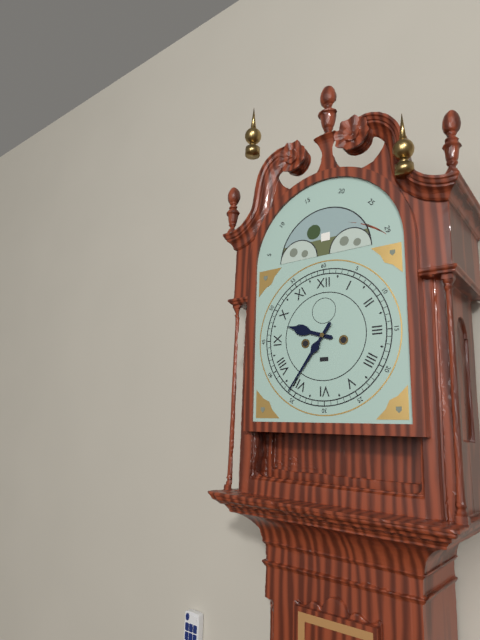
{"hour": 9, "minute": 36}
